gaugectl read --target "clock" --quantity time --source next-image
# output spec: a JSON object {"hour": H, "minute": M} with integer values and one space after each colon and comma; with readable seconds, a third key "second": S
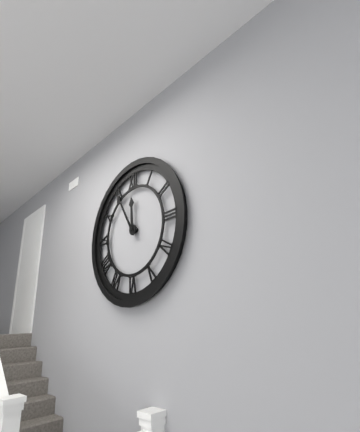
{"hour": 11, "minute": 55}
